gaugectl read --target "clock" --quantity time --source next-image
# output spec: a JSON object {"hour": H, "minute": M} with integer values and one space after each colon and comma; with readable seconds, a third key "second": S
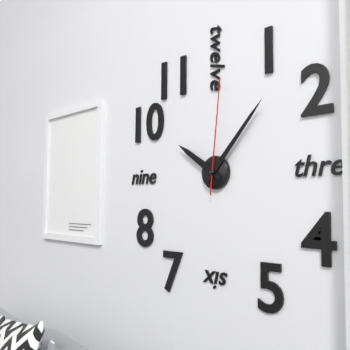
{"hour": 10, "minute": 7, "second": 1}
